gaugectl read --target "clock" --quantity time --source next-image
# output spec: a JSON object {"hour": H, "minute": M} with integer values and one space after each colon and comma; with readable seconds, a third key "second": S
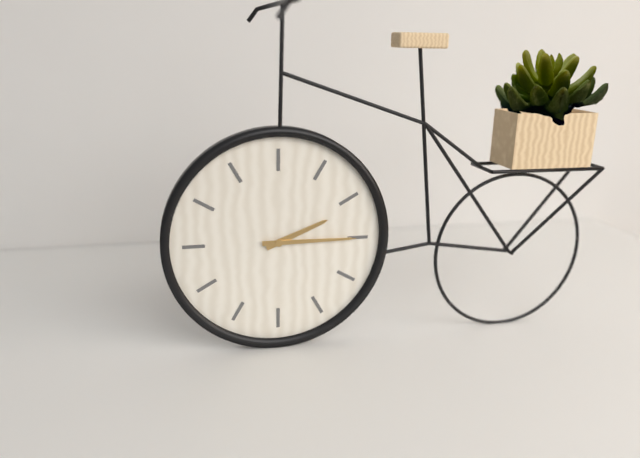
{"hour": 2, "minute": 15}
